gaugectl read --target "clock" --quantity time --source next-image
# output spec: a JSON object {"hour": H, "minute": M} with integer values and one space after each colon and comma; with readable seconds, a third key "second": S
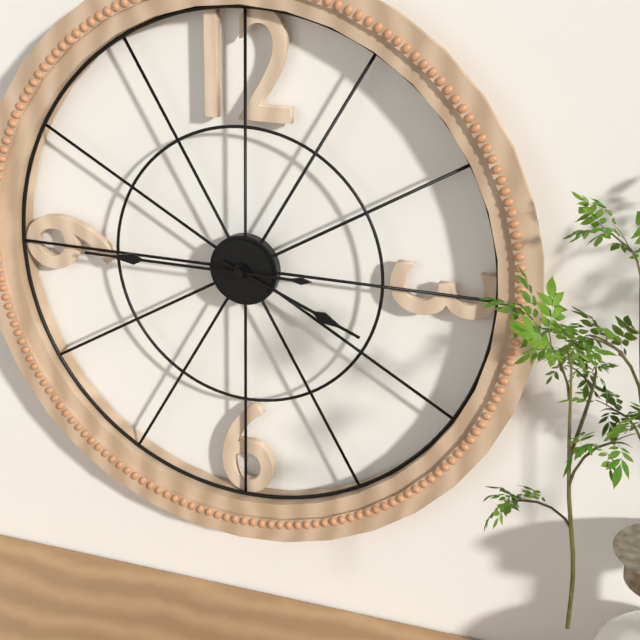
{"hour": 3, "minute": 45}
